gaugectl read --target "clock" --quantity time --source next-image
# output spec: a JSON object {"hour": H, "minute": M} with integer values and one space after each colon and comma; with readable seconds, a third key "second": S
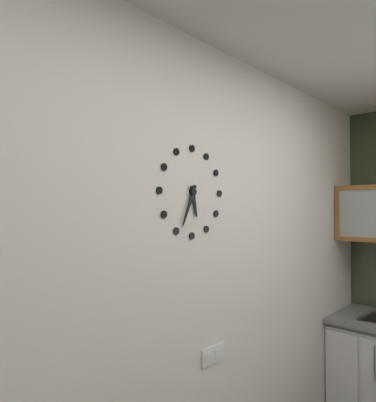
{"hour": 5, "minute": 34}
